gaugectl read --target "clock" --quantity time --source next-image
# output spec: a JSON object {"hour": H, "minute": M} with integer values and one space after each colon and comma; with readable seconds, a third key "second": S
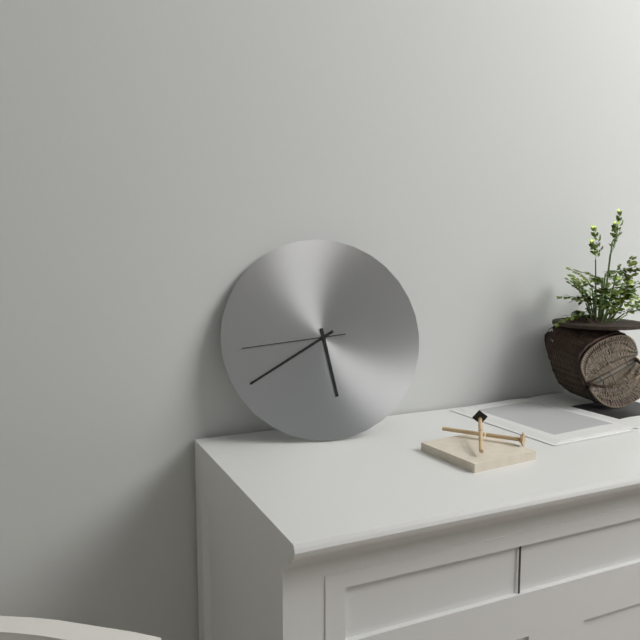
{"hour": 5, "minute": 40, "second": 44}
